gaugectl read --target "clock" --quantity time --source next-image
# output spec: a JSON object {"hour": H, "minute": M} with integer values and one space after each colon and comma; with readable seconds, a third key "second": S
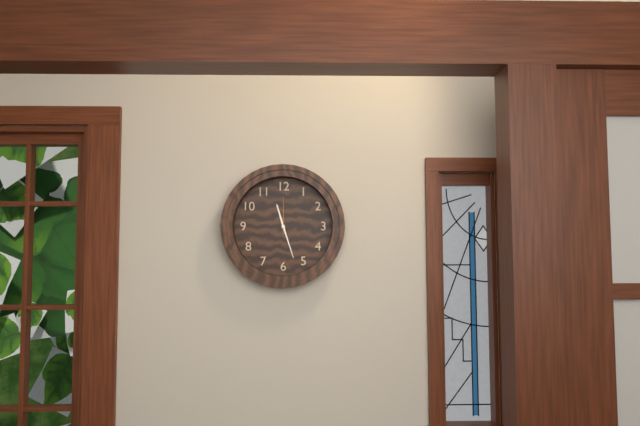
{"hour": 11, "minute": 27}
